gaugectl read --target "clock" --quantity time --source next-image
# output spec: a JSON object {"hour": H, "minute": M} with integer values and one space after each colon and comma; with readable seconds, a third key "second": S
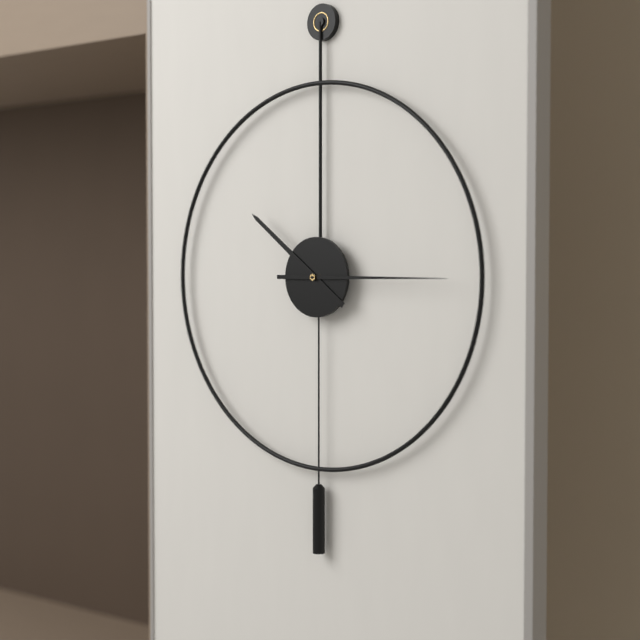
{"hour": 10, "minute": 15}
